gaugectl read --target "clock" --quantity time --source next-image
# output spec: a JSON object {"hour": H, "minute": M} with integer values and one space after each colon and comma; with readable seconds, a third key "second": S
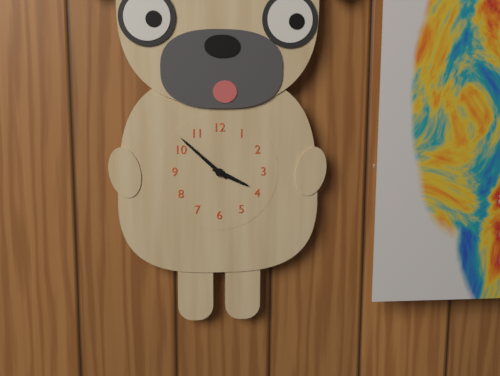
{"hour": 3, "minute": 52}
